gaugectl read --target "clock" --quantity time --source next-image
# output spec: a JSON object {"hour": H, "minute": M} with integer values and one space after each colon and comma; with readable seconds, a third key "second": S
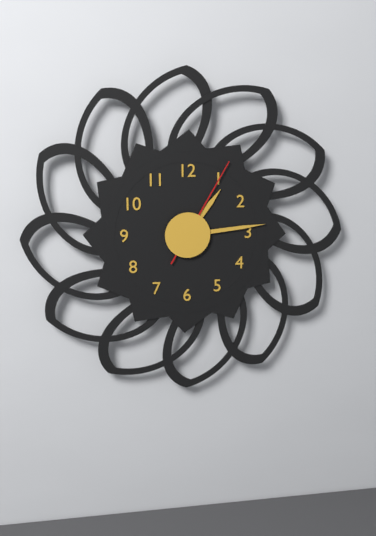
{"hour": 1, "minute": 14, "second": 5}
